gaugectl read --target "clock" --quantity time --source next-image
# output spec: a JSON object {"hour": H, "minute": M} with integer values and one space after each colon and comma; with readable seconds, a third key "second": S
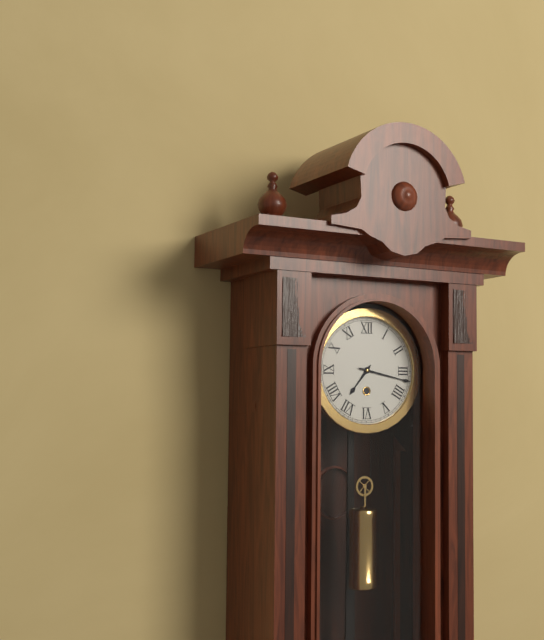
{"hour": 7, "minute": 17}
